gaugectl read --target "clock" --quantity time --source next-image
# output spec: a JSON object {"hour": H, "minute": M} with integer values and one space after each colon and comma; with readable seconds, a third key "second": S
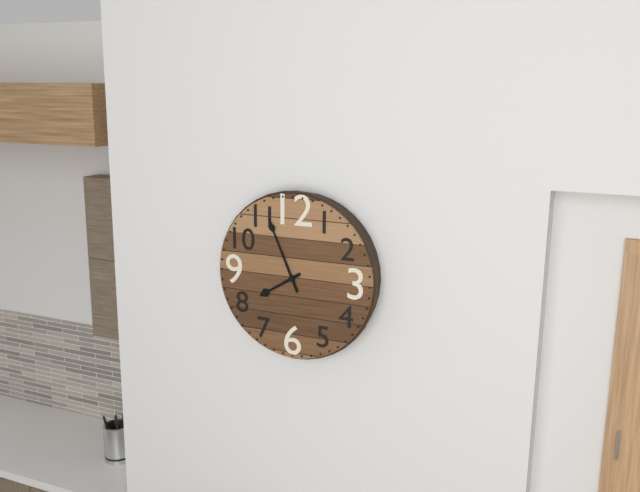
{"hour": 7, "minute": 56}
